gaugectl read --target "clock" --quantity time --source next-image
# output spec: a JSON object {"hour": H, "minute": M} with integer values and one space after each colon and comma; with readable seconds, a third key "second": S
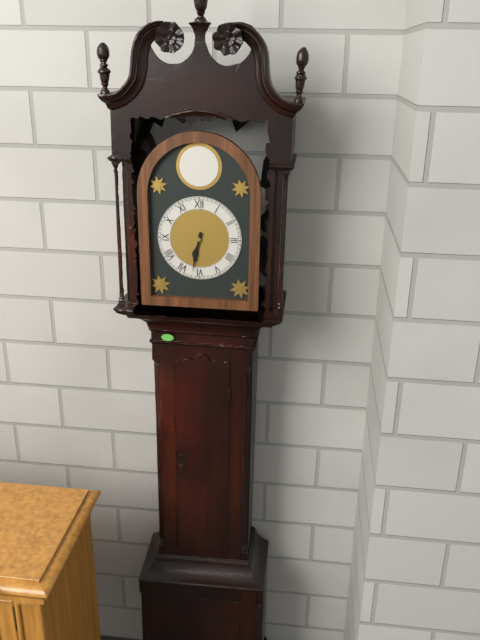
{"hour": 6, "minute": 32}
